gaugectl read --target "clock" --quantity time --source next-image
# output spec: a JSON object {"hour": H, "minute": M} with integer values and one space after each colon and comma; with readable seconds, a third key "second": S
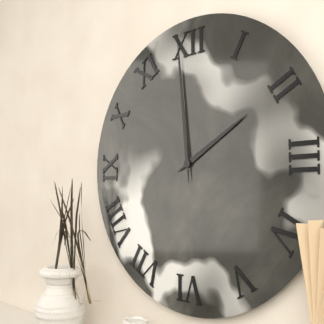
{"hour": 1, "minute": 59}
